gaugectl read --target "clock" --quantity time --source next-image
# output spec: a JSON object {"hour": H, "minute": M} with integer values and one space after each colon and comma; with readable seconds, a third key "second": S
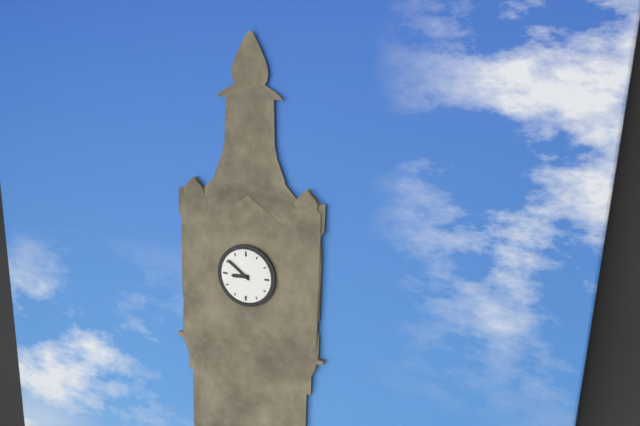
{"hour": 8, "minute": 51}
